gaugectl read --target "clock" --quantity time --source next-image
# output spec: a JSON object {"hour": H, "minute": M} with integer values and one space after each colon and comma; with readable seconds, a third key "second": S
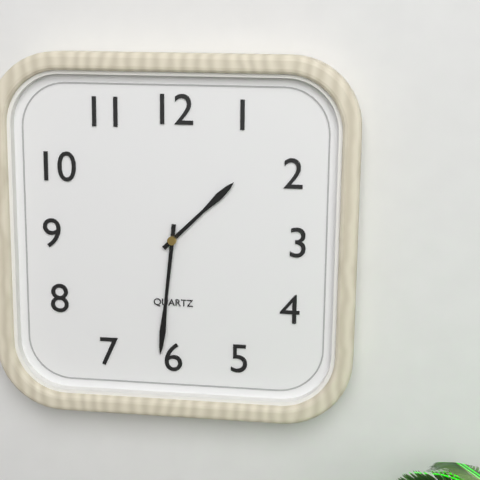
{"hour": 1, "minute": 31}
